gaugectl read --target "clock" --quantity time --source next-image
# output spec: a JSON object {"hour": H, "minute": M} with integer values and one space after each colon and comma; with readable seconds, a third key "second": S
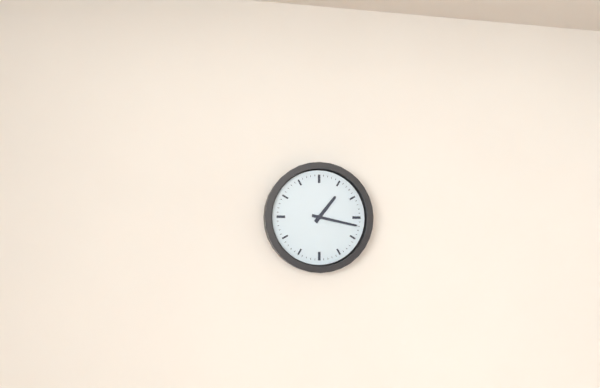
{"hour": 1, "minute": 17}
